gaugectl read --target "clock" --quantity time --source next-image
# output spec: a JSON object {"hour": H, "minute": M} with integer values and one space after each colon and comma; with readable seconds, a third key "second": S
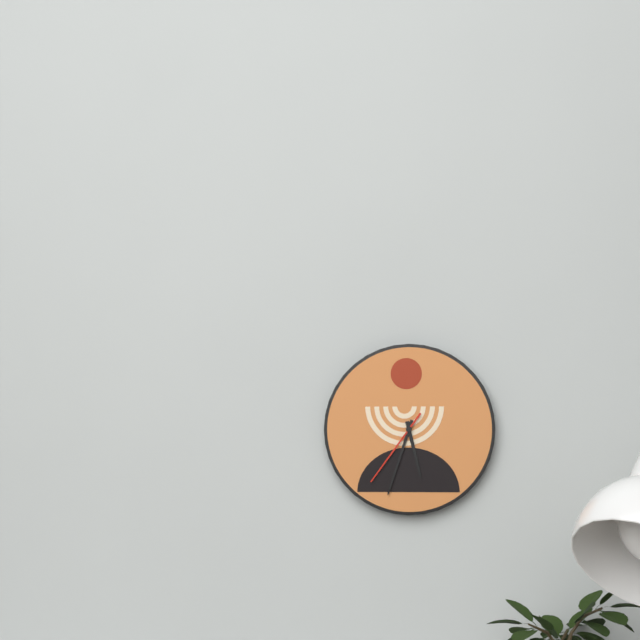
{"hour": 5, "minute": 33, "second": 36}
